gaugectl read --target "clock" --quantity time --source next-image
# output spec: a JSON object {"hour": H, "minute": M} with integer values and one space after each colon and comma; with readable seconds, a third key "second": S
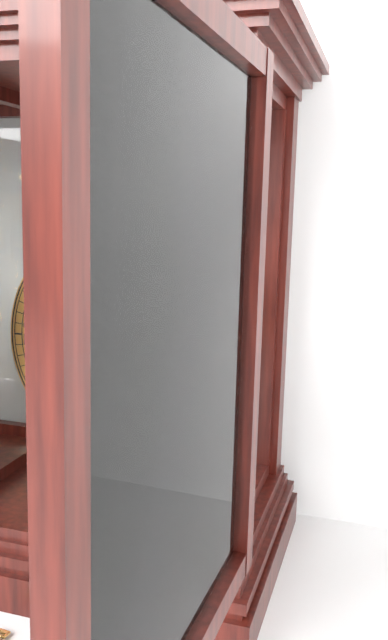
{"hour": 5, "minute": 11}
